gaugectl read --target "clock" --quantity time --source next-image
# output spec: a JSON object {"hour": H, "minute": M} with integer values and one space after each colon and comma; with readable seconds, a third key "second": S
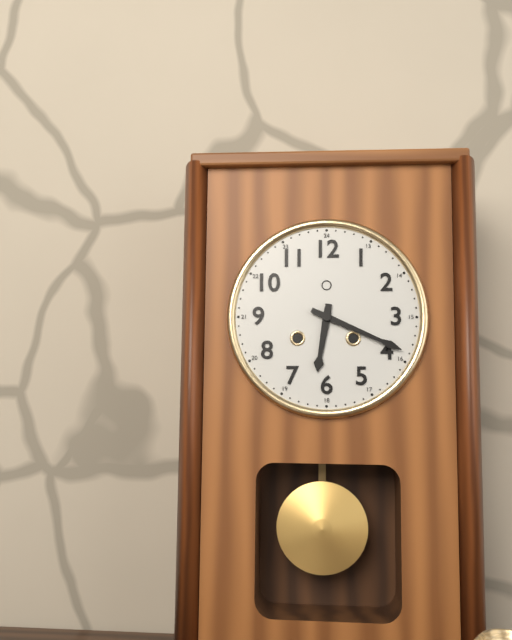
{"hour": 6, "minute": 19}
